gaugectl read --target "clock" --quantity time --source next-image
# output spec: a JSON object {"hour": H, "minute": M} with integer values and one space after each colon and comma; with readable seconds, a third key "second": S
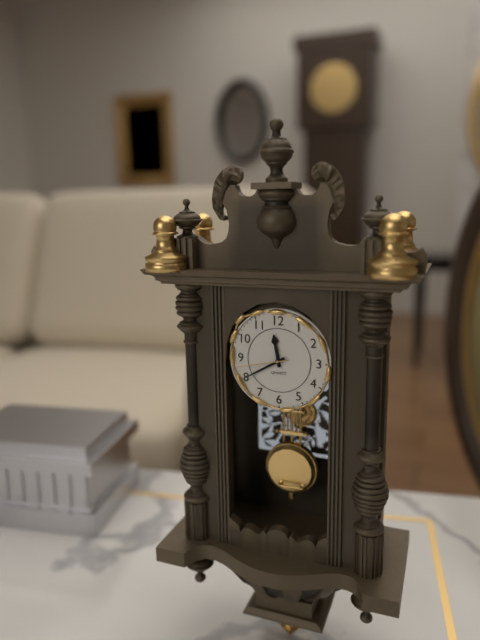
{"hour": 11, "minute": 40, "second": 43}
